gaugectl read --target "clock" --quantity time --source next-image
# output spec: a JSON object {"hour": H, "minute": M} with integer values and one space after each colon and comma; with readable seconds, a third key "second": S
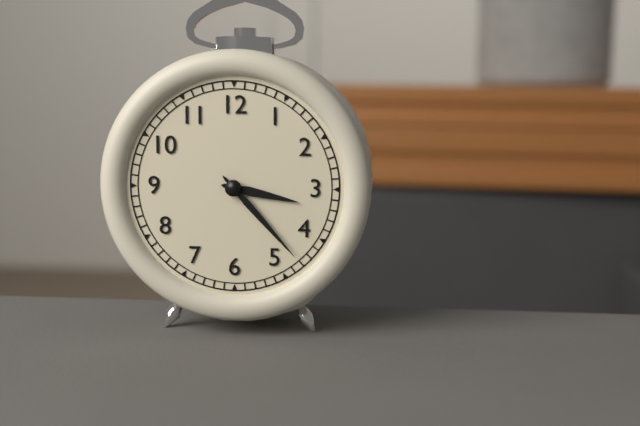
{"hour": 3, "minute": 23}
